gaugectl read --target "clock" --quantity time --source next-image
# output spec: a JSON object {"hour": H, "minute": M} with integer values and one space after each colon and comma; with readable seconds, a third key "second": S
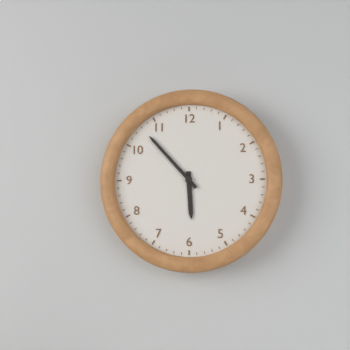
{"hour": 5, "minute": 53}
